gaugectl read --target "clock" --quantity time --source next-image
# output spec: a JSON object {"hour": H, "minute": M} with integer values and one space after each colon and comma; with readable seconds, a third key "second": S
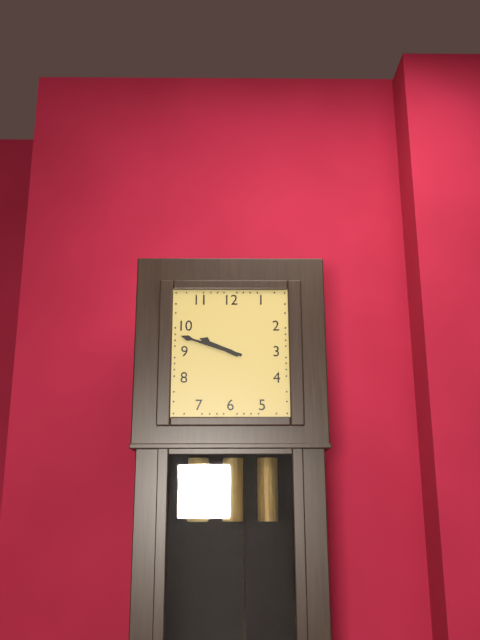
{"hour": 9, "minute": 48}
